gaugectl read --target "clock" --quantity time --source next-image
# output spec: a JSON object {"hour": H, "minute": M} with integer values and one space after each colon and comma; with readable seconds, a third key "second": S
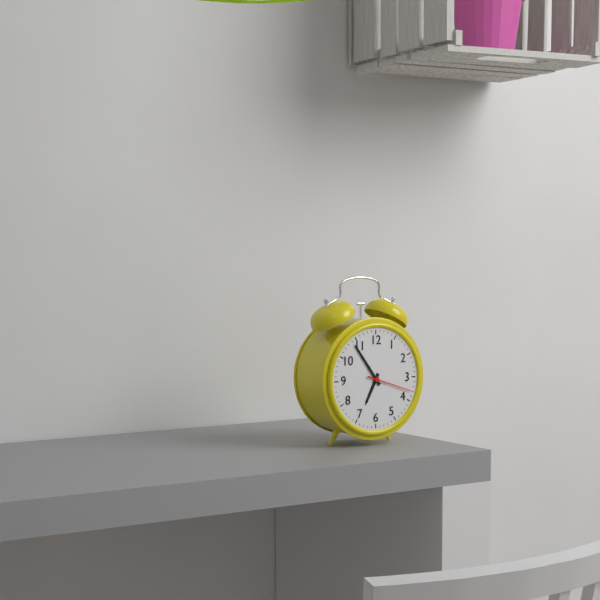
{"hour": 6, "minute": 54}
